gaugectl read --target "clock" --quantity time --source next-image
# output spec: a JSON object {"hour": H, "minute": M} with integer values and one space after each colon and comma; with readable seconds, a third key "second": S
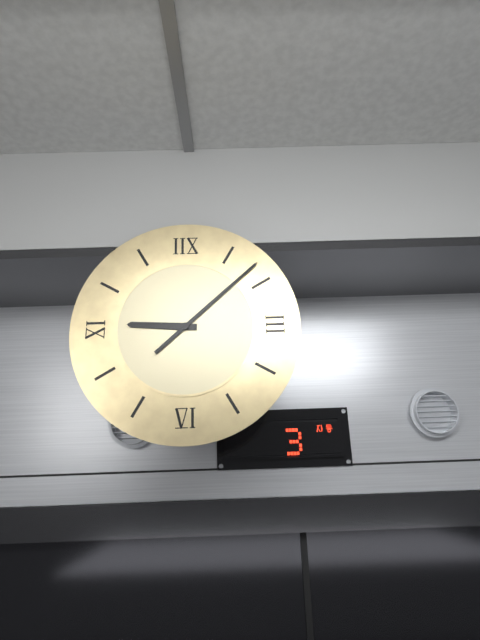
{"hour": 9, "minute": 8}
